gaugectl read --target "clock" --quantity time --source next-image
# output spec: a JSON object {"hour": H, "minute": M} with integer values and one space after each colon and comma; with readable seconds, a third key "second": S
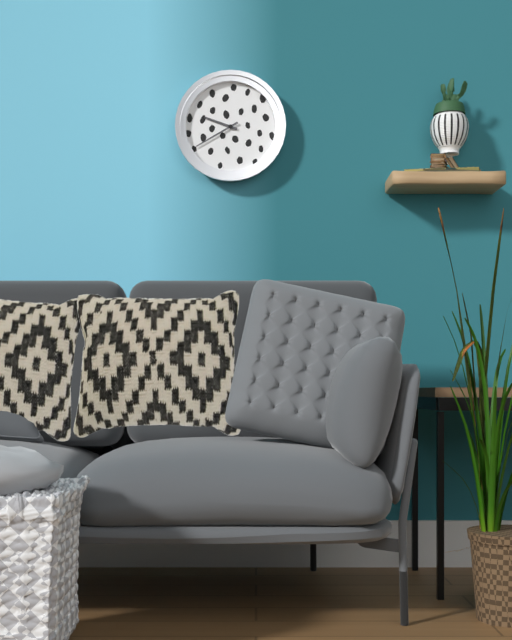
{"hour": 9, "minute": 40}
